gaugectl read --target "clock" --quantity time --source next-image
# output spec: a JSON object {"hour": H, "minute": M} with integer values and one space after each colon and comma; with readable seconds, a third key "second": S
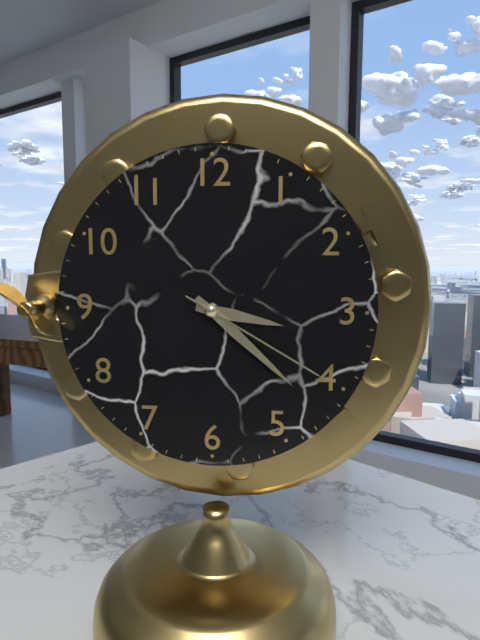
{"hour": 3, "minute": 22, "second": 20}
